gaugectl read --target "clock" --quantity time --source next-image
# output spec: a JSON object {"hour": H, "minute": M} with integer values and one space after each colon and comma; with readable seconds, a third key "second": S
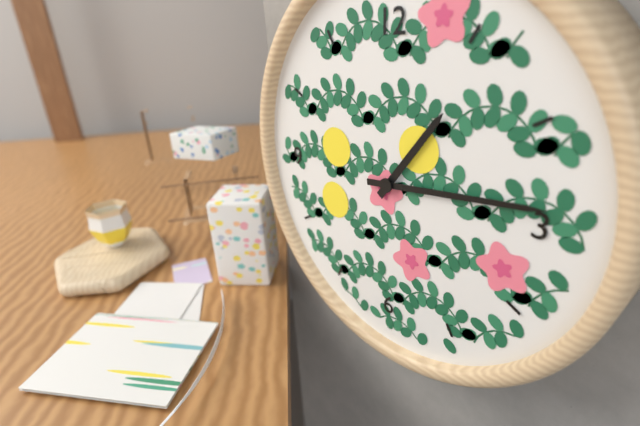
{"hour": 1, "minute": 14}
